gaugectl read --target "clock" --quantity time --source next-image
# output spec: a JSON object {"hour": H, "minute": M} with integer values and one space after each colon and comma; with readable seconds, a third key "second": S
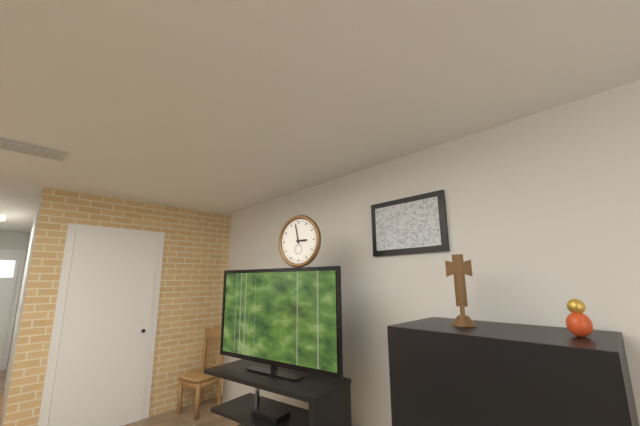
{"hour": 2, "minute": 58}
